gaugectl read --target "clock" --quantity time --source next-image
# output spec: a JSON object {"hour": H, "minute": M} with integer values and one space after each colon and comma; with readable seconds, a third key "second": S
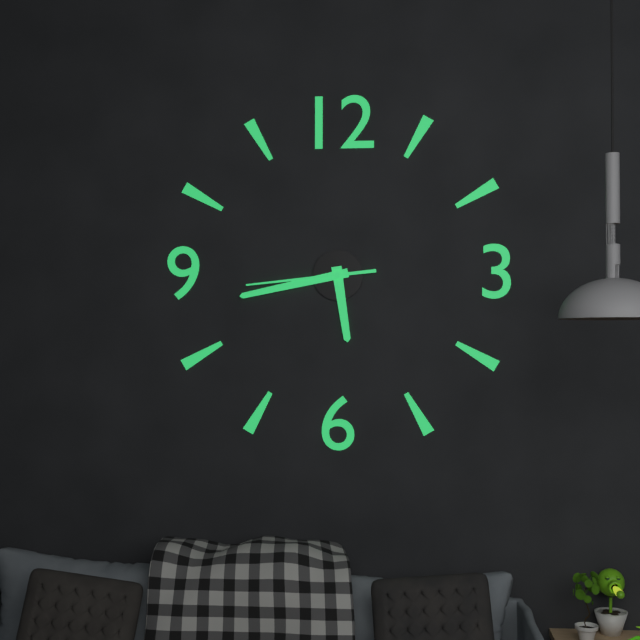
{"hour": 5, "minute": 43, "second": 44}
